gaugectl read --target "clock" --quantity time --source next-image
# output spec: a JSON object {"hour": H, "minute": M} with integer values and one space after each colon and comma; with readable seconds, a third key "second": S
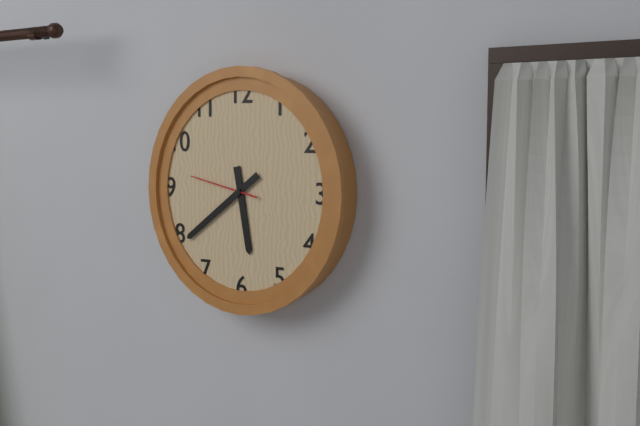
{"hour": 5, "minute": 39, "second": 47}
